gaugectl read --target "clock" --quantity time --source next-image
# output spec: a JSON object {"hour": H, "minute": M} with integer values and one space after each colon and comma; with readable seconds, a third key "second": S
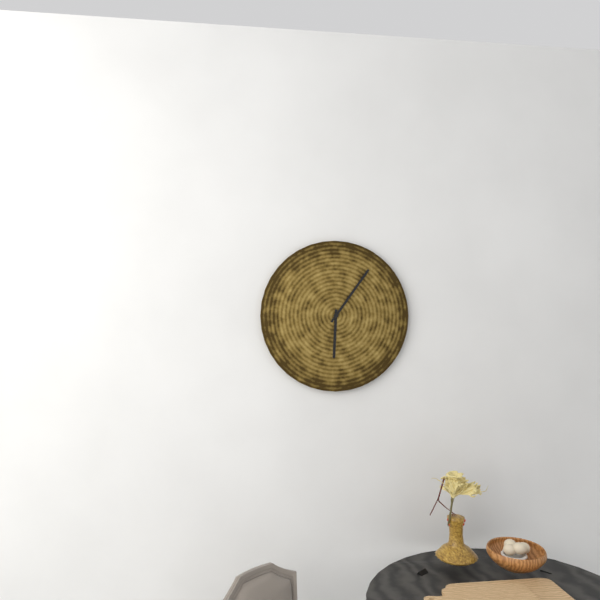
{"hour": 6, "minute": 6}
